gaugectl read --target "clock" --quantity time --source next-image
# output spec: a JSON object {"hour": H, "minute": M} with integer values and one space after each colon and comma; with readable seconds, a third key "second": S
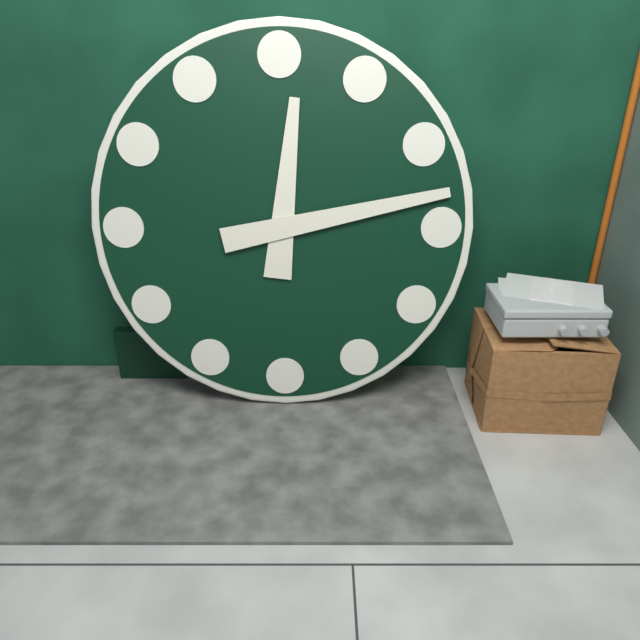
{"hour": 12, "minute": 13}
